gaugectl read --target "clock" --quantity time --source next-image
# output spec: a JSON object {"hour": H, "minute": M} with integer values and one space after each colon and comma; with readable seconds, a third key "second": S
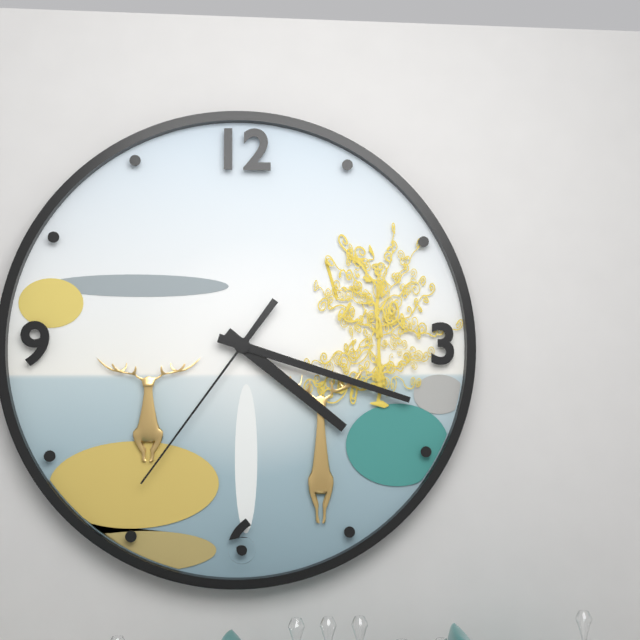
{"hour": 4, "minute": 18, "second": 36}
